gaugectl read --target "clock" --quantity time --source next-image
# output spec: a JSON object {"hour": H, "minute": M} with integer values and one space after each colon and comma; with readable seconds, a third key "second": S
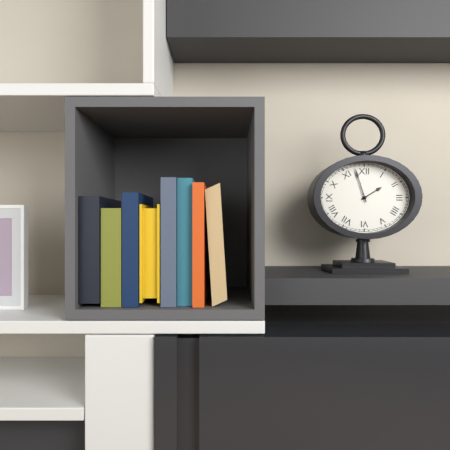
{"hour": 1, "minute": 57}
